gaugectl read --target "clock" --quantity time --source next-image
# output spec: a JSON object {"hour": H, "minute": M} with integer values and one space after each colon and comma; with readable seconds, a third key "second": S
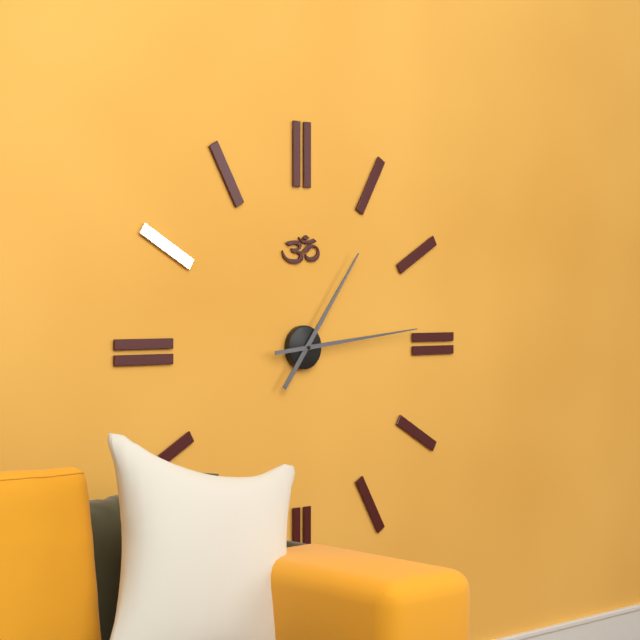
{"hour": 1, "minute": 14}
